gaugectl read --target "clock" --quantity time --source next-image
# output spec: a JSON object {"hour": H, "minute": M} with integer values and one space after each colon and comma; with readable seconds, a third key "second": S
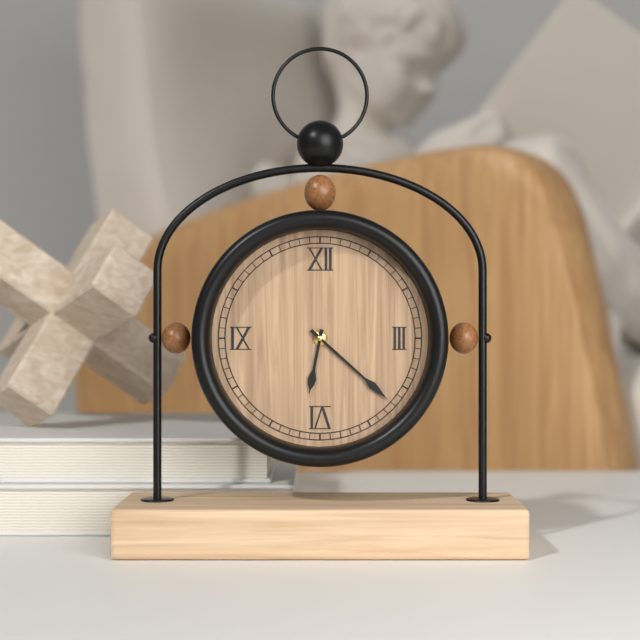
{"hour": 6, "minute": 22}
